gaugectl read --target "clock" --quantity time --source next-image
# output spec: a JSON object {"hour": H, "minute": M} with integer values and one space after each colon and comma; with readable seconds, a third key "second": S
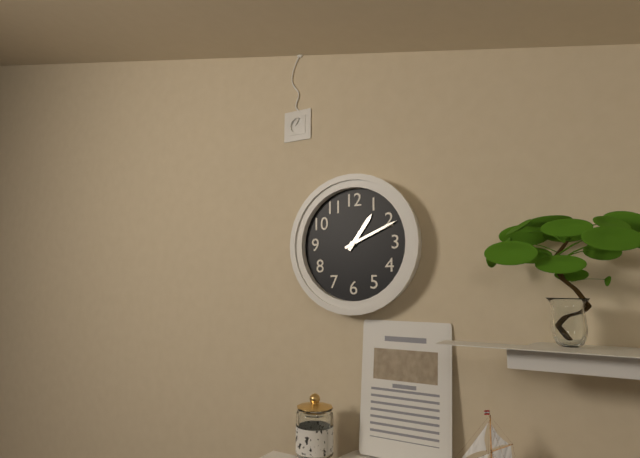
{"hour": 1, "minute": 11}
